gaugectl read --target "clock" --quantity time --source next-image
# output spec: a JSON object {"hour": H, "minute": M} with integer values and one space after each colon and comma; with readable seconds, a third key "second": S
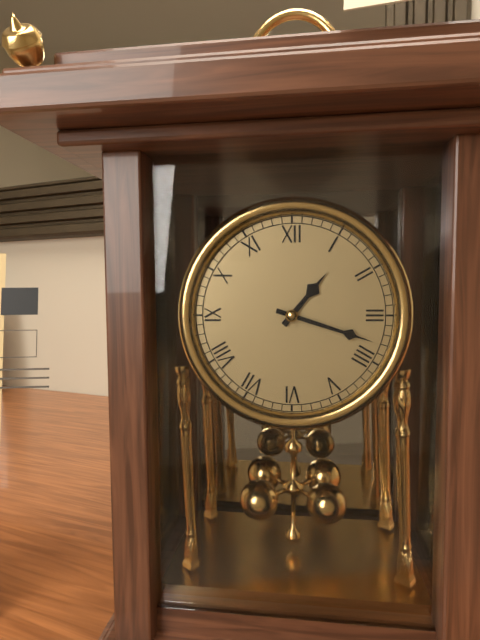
{"hour": 1, "minute": 18}
